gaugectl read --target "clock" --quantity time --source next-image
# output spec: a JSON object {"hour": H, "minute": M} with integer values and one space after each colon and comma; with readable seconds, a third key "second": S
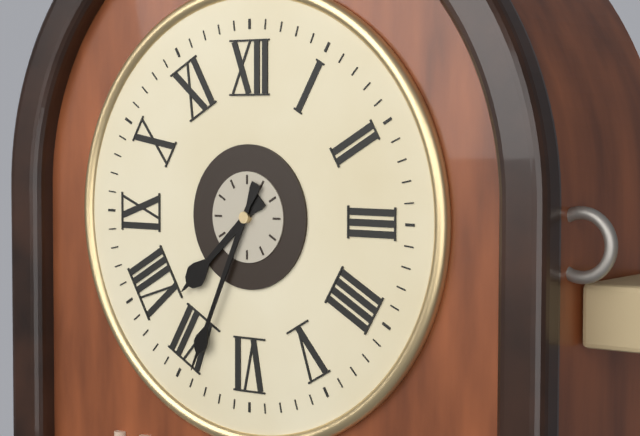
{"hour": 7, "minute": 34}
